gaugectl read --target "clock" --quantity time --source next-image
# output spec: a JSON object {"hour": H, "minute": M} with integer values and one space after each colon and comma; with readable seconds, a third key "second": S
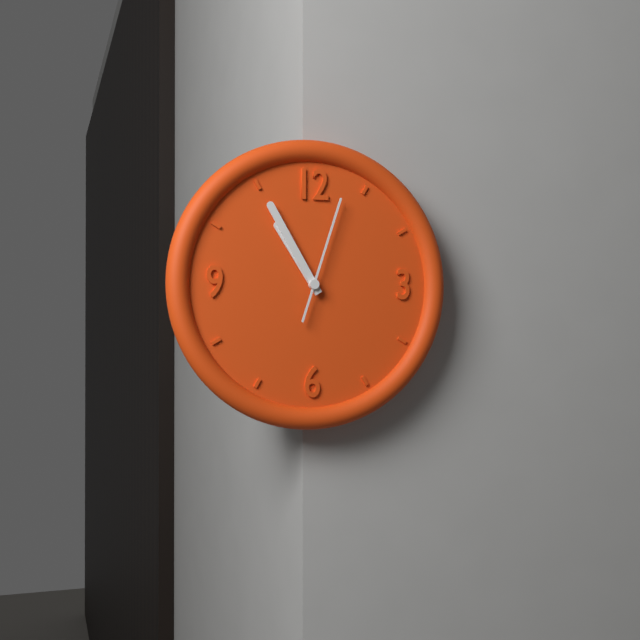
{"hour": 10, "minute": 55, "second": 3}
